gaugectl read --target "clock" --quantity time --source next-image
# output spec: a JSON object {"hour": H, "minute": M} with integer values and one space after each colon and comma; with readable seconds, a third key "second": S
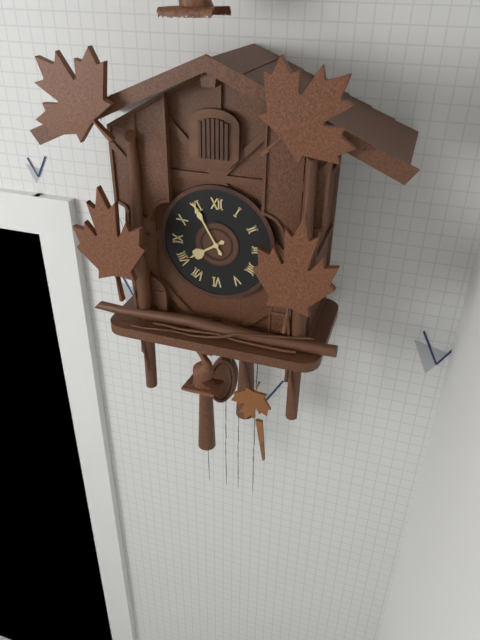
{"hour": 7, "minute": 55}
